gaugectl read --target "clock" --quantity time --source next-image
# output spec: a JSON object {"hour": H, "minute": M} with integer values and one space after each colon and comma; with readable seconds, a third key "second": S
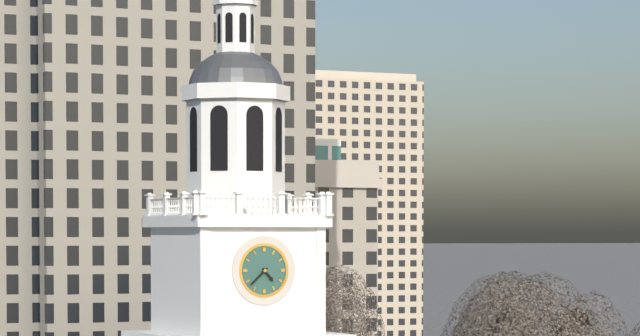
{"hour": 4, "minute": 38}
